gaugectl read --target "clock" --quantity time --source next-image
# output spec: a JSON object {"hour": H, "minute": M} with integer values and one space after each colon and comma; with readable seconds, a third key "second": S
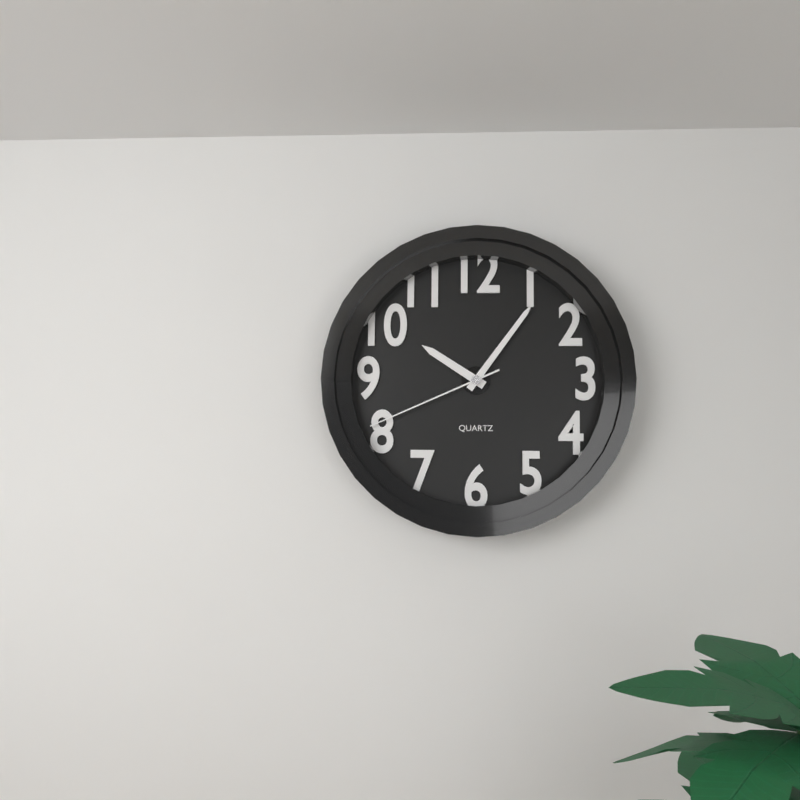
{"hour": 10, "minute": 6, "second": 41}
